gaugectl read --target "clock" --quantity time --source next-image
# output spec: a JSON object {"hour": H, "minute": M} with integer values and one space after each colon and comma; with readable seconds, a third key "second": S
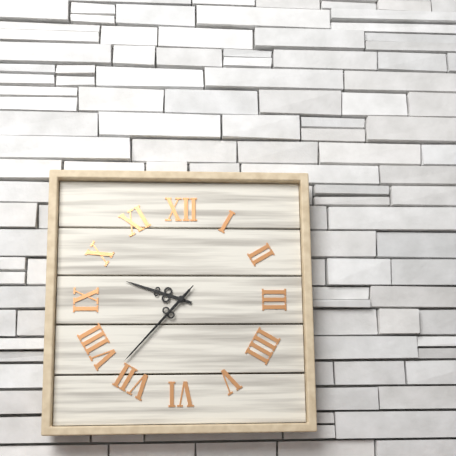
{"hour": 9, "minute": 37, "second": 37}
